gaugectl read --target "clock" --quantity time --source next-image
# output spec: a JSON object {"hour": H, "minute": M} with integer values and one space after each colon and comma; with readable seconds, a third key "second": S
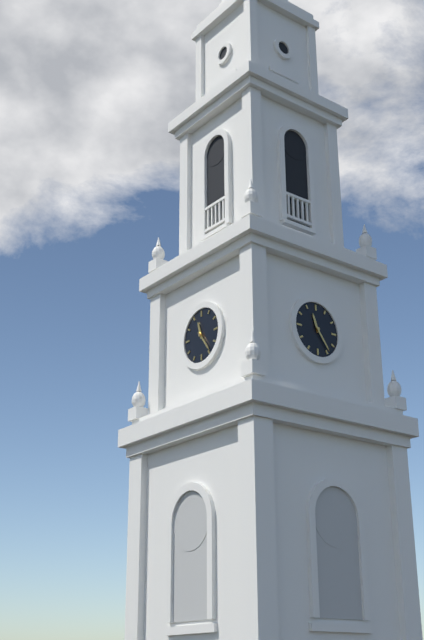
{"hour": 11, "minute": 24}
